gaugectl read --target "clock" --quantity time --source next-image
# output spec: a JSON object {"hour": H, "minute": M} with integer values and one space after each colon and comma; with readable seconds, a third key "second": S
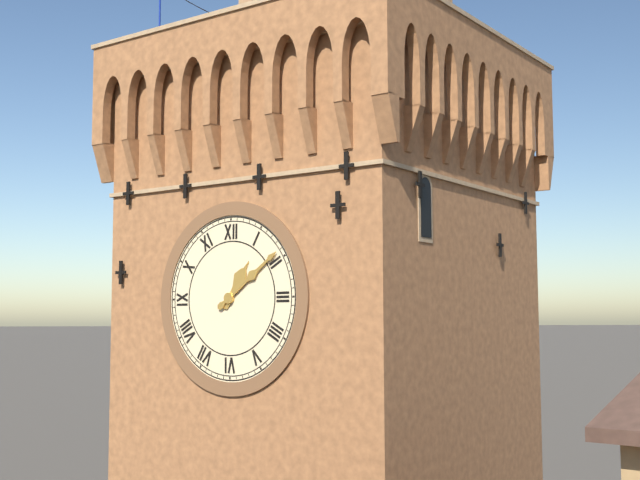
{"hour": 1, "minute": 9}
